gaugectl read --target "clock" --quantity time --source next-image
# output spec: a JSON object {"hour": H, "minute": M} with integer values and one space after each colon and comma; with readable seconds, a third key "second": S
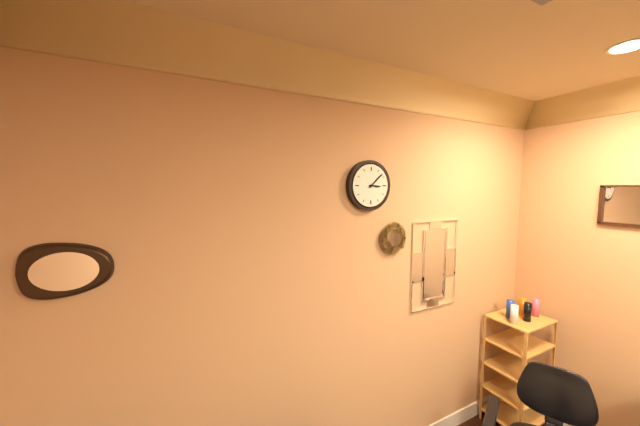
{"hour": 3, "minute": 8}
